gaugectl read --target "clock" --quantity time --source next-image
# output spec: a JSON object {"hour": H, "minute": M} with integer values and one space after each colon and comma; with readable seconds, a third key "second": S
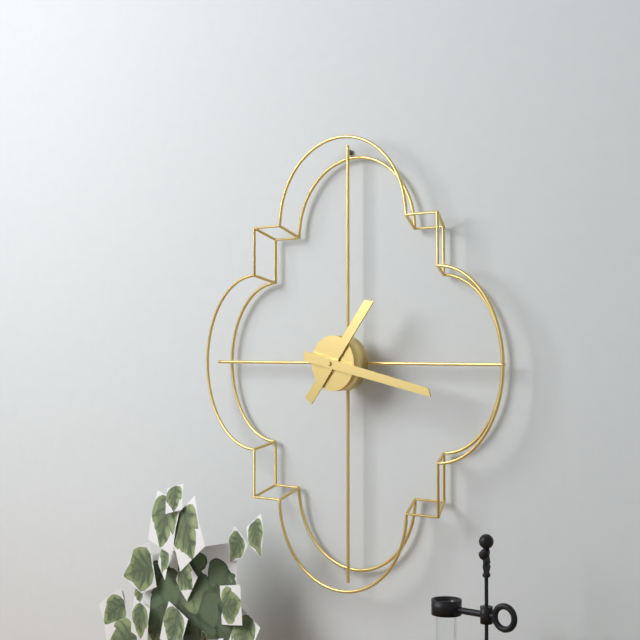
{"hour": 1, "minute": 17}
